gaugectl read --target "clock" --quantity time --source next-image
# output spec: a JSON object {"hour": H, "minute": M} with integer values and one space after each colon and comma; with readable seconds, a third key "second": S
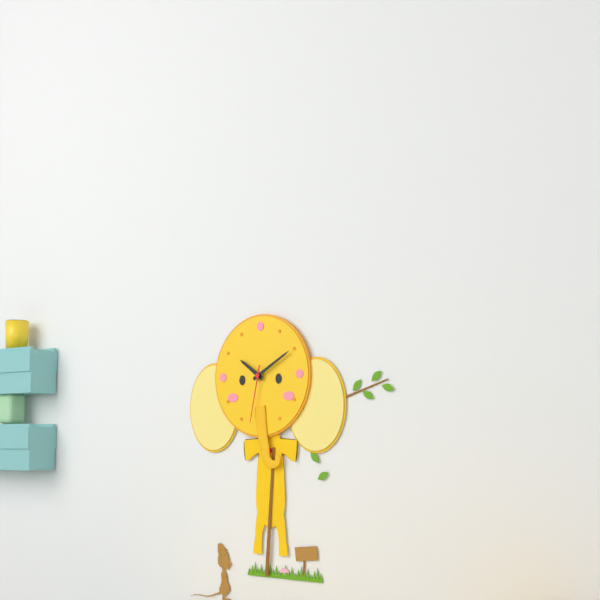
{"hour": 10, "minute": 10, "second": 32}
